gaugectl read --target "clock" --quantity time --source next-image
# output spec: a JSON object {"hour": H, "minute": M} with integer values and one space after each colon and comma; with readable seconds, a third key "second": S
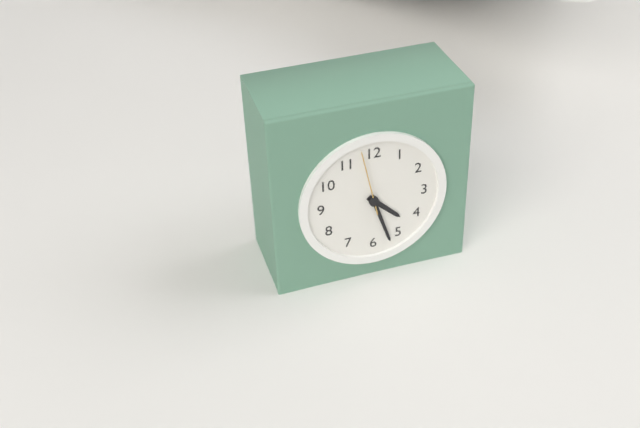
{"hour": 4, "minute": 27, "second": 58}
